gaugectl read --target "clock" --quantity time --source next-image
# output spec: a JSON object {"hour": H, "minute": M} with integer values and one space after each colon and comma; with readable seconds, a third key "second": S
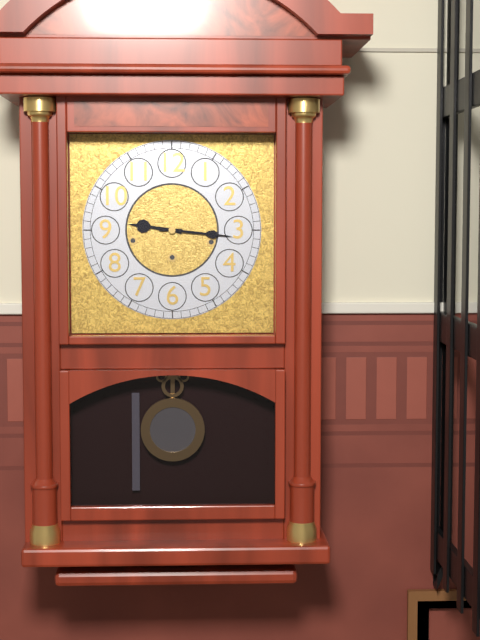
{"hour": 9, "minute": 16}
